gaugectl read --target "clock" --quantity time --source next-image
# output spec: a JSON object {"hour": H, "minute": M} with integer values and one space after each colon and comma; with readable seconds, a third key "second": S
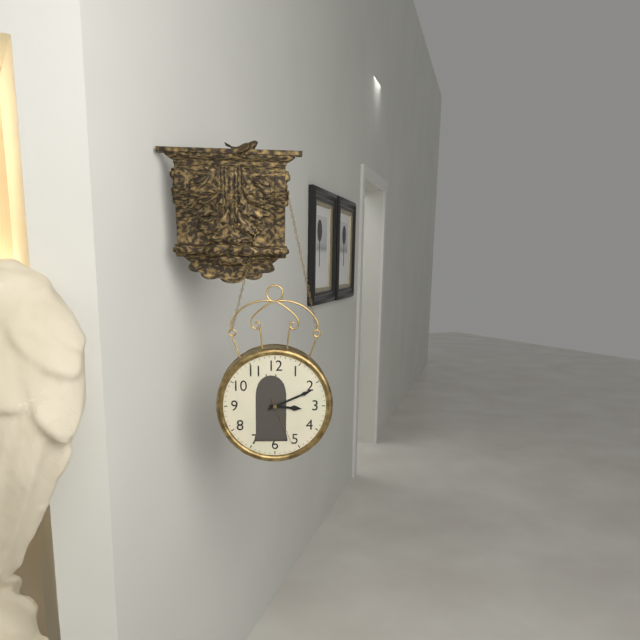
{"hour": 3, "minute": 11, "second": 26}
